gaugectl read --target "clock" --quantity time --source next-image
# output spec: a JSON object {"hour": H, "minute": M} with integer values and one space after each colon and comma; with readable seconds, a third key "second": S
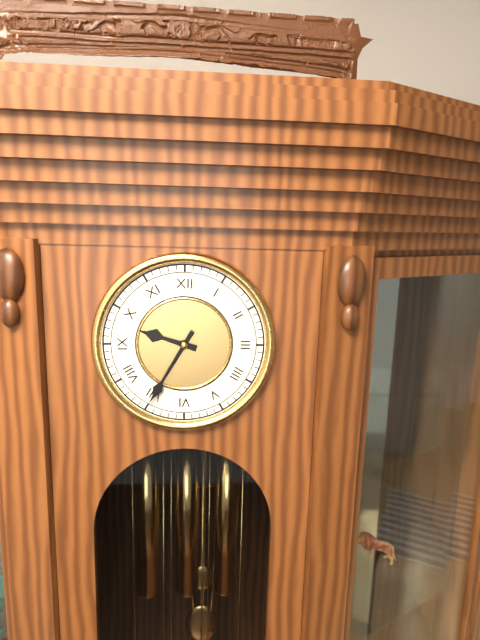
{"hour": 9, "minute": 35}
